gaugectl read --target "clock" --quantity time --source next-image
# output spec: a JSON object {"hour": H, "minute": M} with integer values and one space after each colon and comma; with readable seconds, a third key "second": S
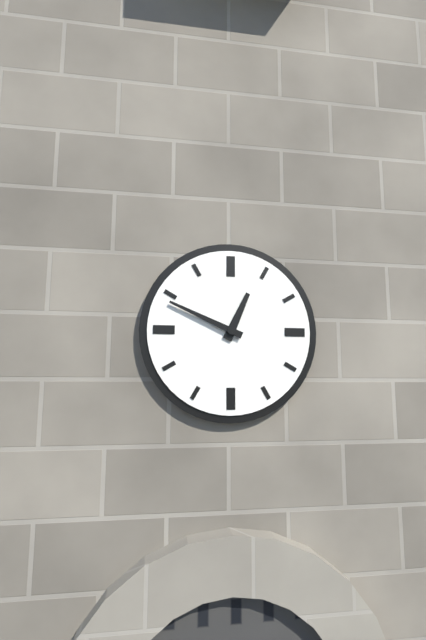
{"hour": 12, "minute": 49}
